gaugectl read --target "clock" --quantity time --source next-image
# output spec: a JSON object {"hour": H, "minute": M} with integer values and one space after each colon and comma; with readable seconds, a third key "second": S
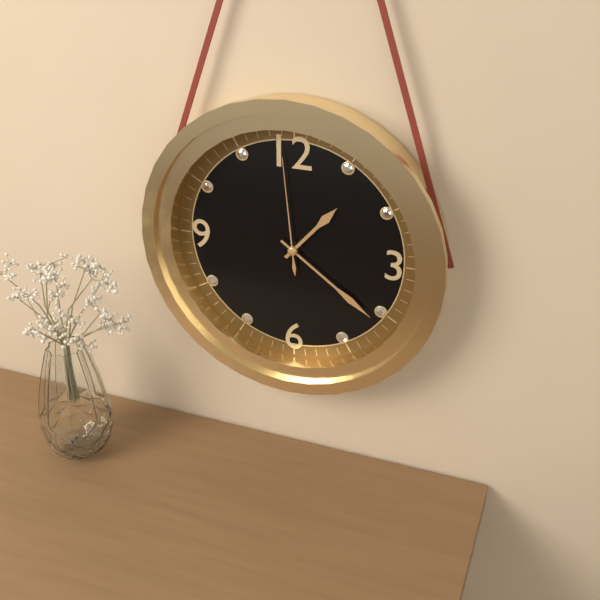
{"hour": 1, "minute": 21, "second": 59}
